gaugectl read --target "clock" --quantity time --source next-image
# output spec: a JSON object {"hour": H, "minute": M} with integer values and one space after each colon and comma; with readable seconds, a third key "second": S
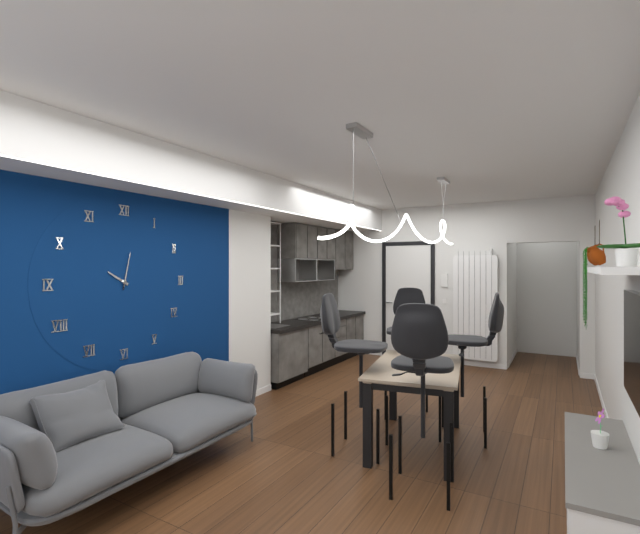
{"hour": 10, "minute": 2}
